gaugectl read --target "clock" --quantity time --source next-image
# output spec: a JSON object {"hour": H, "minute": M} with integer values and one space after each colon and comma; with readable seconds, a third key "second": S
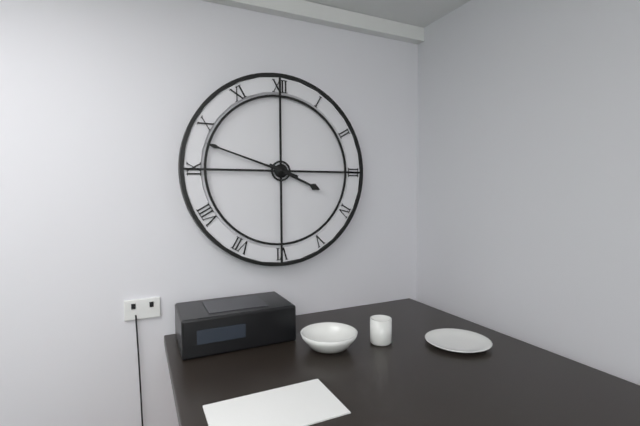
{"hour": 3, "minute": 48}
